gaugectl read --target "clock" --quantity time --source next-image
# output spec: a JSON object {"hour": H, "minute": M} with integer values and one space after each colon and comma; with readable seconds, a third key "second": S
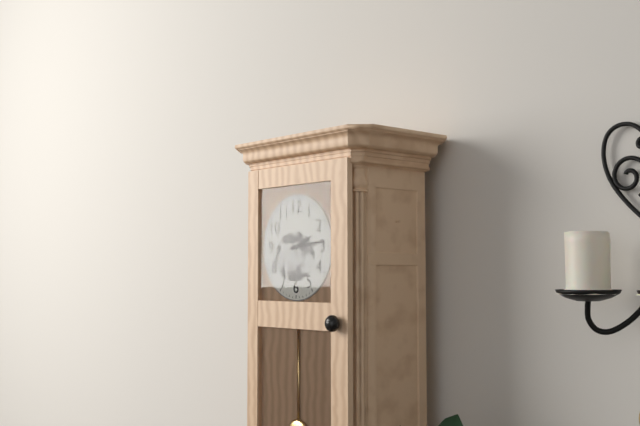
{"hour": 2, "minute": 14}
